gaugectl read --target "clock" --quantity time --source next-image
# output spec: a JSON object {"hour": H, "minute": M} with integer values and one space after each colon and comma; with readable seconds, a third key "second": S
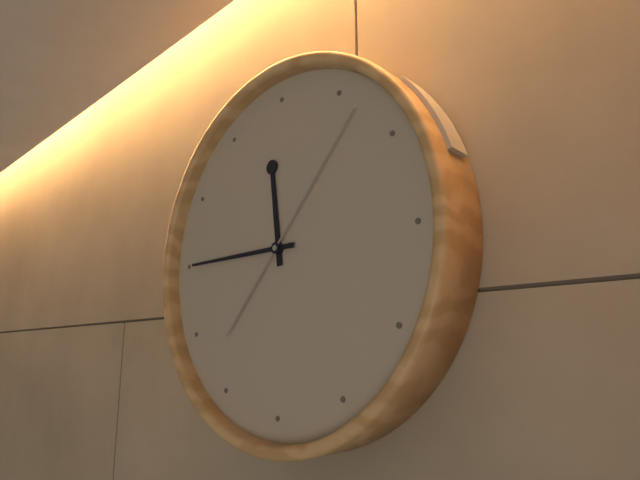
{"hour": 11, "minute": 45, "second": 7}
